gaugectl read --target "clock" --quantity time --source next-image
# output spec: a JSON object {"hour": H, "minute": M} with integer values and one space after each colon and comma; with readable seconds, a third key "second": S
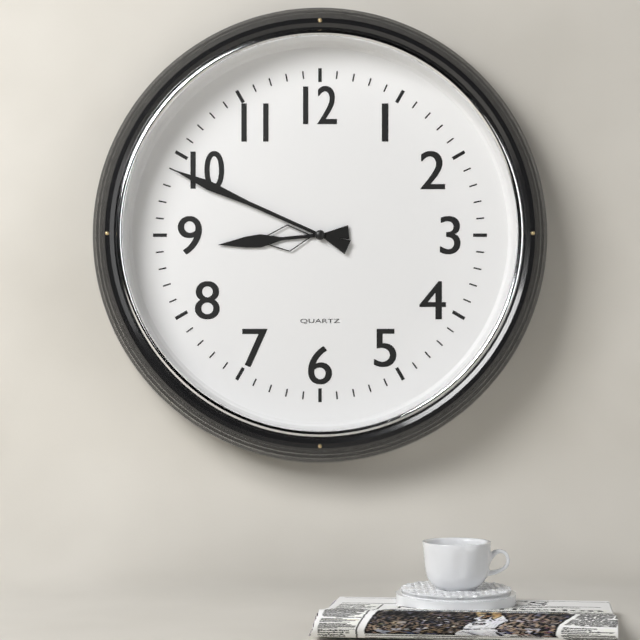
{"hour": 8, "minute": 49}
